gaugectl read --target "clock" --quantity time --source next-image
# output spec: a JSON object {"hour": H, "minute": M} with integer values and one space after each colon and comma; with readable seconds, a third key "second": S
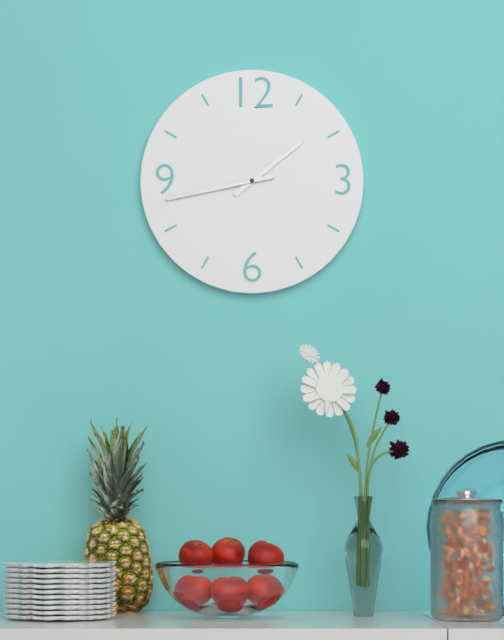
{"hour": 1, "minute": 43}
